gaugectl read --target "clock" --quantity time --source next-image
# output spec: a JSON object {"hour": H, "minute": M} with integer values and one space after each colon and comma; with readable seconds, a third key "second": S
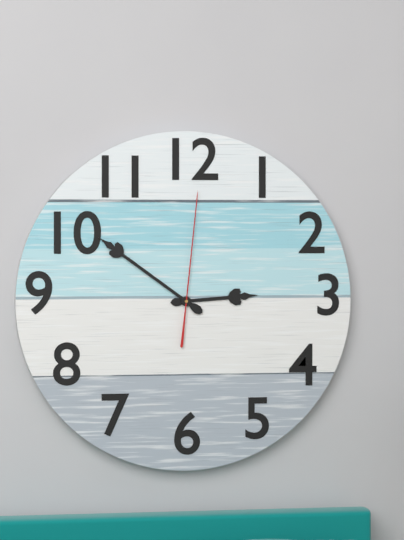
{"hour": 2, "minute": 51, "second": 1}
